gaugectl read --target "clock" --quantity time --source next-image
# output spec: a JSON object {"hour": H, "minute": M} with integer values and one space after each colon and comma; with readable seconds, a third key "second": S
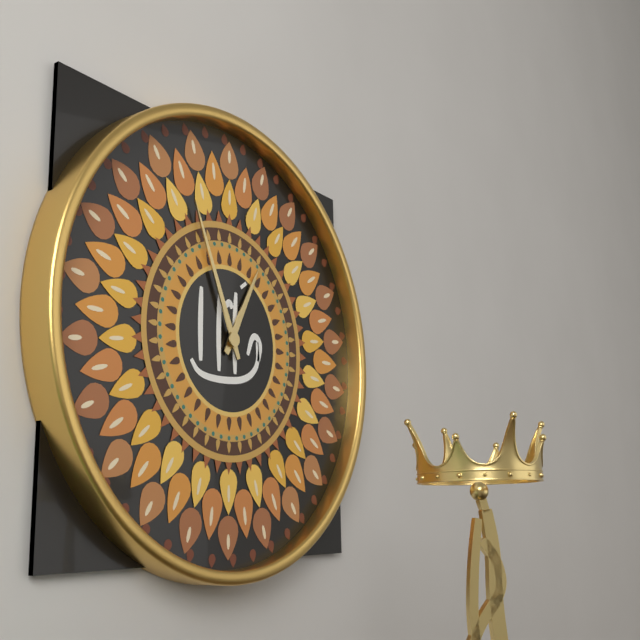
{"hour": 12, "minute": 56}
